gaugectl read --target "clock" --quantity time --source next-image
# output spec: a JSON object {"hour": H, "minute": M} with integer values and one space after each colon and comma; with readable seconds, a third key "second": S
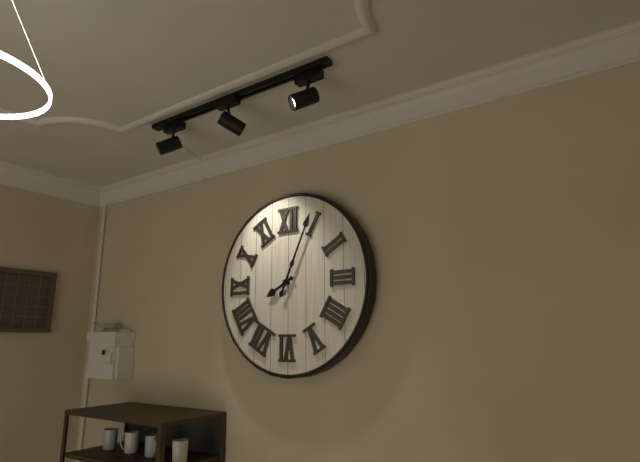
{"hour": 8, "minute": 4}
